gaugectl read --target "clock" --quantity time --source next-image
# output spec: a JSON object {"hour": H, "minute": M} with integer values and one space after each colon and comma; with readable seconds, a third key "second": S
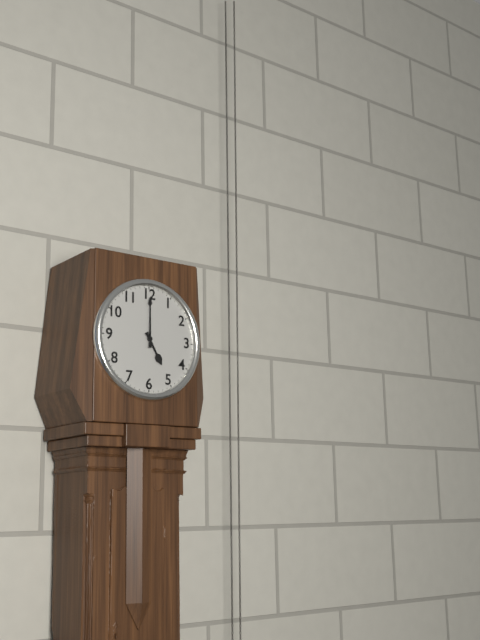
{"hour": 5, "minute": 0}
